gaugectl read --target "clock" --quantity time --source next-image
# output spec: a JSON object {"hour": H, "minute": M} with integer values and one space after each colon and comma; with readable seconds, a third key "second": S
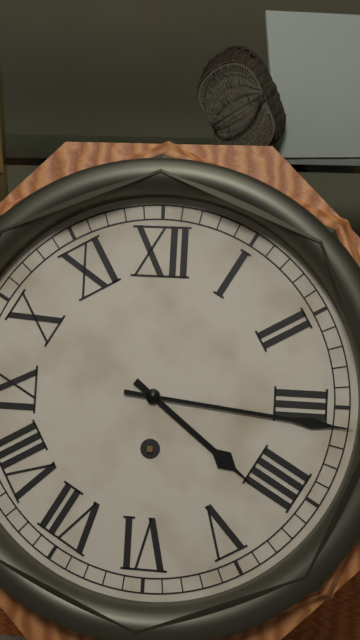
{"hour": 4, "minute": 16}
